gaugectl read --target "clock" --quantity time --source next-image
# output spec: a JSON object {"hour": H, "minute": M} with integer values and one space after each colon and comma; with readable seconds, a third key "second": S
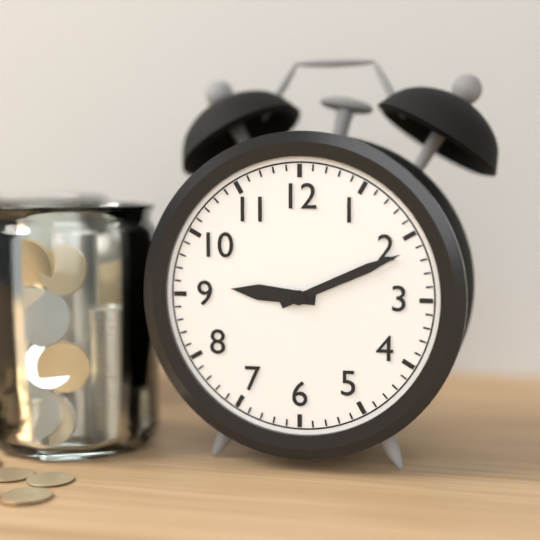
{"hour": 9, "minute": 11}
